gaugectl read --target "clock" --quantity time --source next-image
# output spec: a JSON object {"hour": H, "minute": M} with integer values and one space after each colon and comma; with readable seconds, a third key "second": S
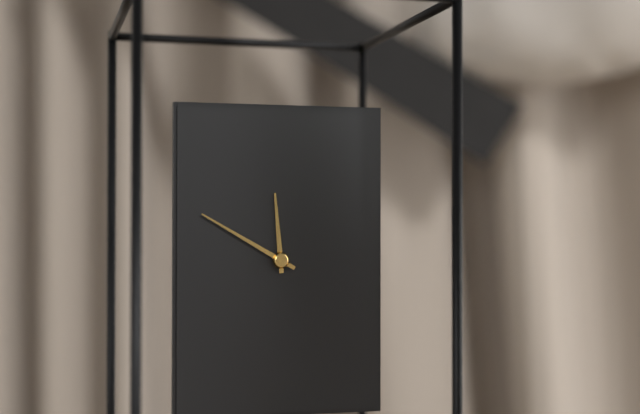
{"hour": 11, "minute": 50}
